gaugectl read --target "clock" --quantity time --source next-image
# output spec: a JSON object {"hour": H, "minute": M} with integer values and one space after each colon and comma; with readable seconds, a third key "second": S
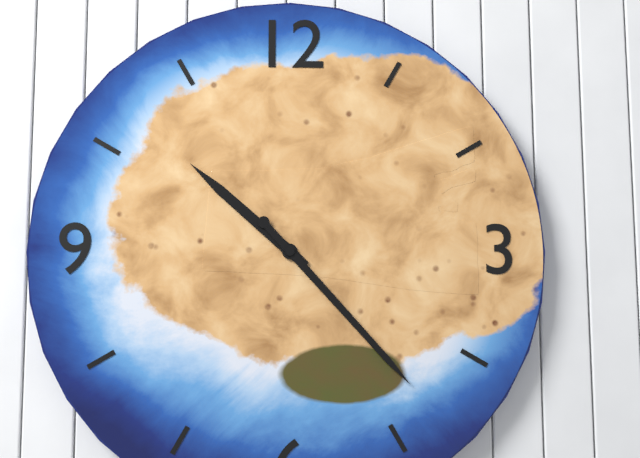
{"hour": 10, "minute": 23}
